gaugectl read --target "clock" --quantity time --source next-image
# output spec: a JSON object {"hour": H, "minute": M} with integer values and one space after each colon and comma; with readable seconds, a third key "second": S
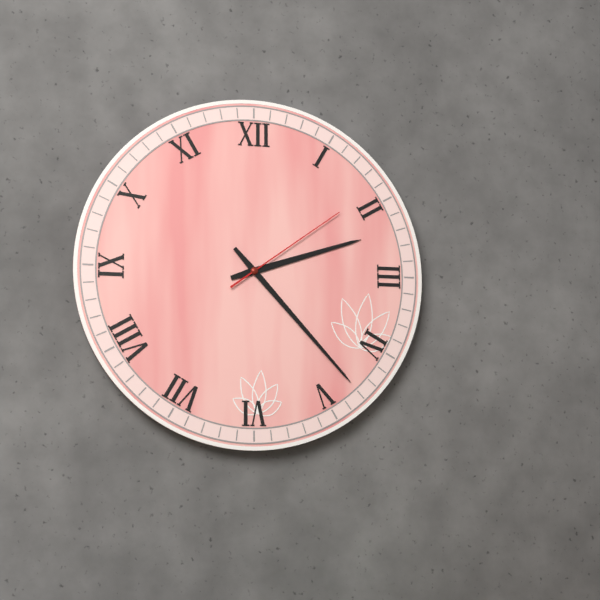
{"hour": 2, "minute": 23, "second": 9}
